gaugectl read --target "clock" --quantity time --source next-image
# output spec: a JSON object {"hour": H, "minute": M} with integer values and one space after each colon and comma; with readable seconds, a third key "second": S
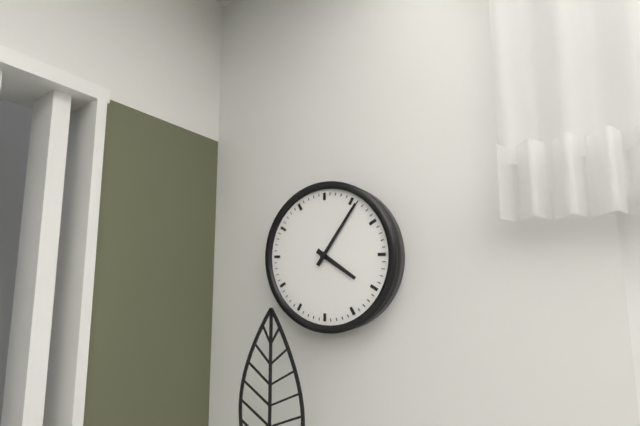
{"hour": 4, "minute": 6}
